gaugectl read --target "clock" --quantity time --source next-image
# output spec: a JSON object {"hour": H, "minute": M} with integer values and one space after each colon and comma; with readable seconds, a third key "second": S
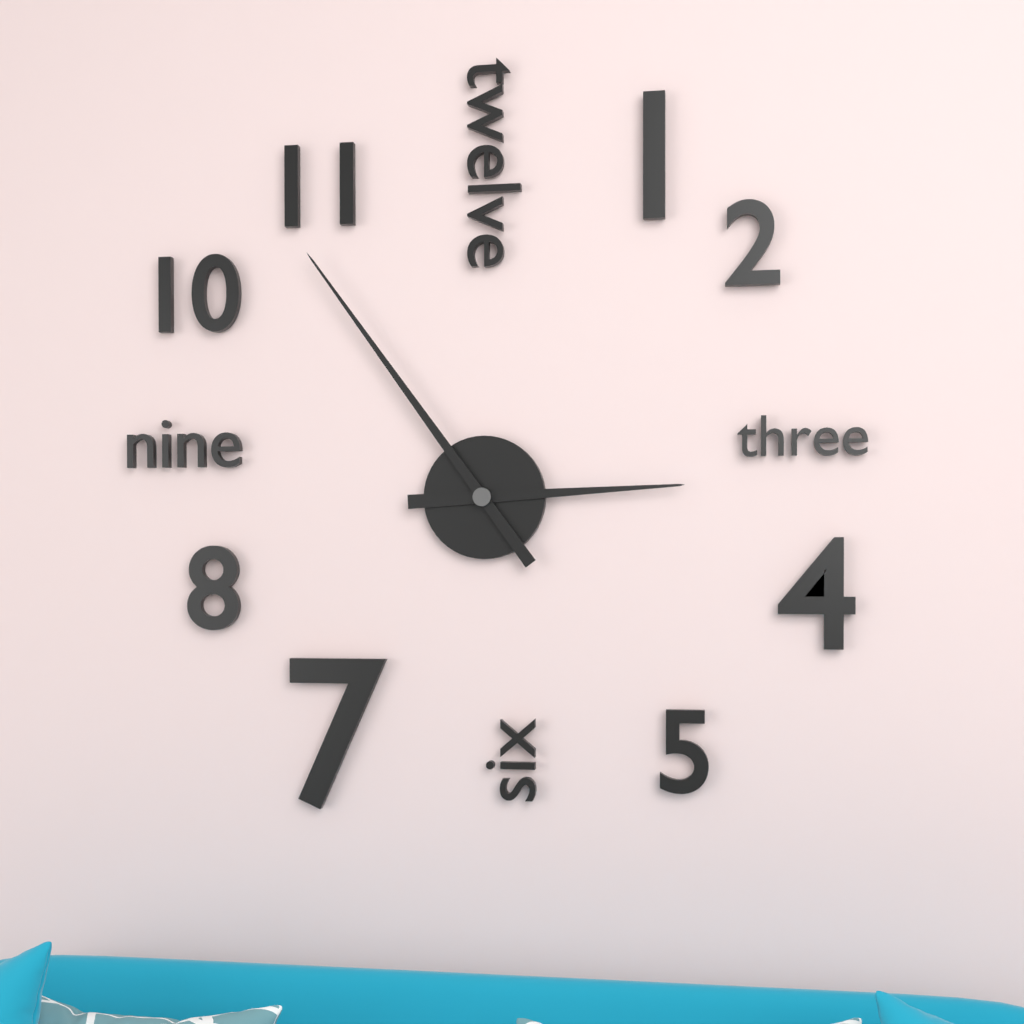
{"hour": 2, "minute": 54}
